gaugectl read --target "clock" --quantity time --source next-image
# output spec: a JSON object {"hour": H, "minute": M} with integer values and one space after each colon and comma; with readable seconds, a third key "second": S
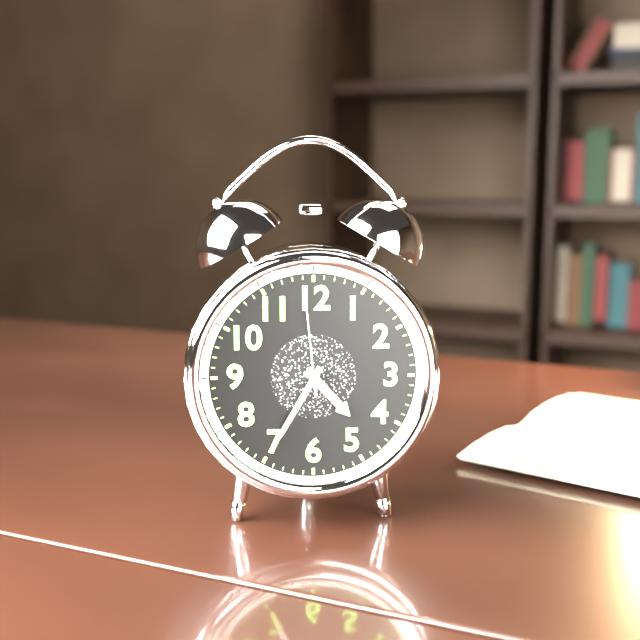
{"hour": 4, "minute": 35, "second": 59}
